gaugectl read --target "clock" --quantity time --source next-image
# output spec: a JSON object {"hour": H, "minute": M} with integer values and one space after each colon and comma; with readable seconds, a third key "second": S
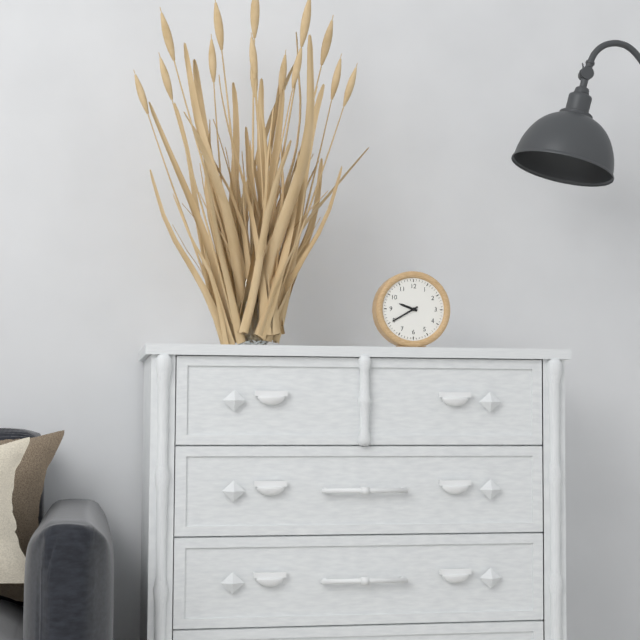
{"hour": 9, "minute": 40}
